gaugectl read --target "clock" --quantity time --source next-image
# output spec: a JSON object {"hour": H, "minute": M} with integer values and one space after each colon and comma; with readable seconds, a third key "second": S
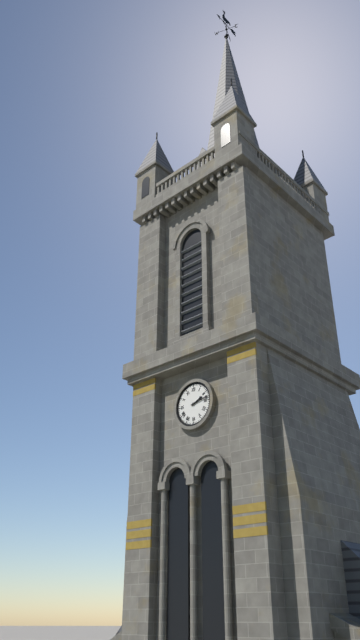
{"hour": 2, "minute": 13}
